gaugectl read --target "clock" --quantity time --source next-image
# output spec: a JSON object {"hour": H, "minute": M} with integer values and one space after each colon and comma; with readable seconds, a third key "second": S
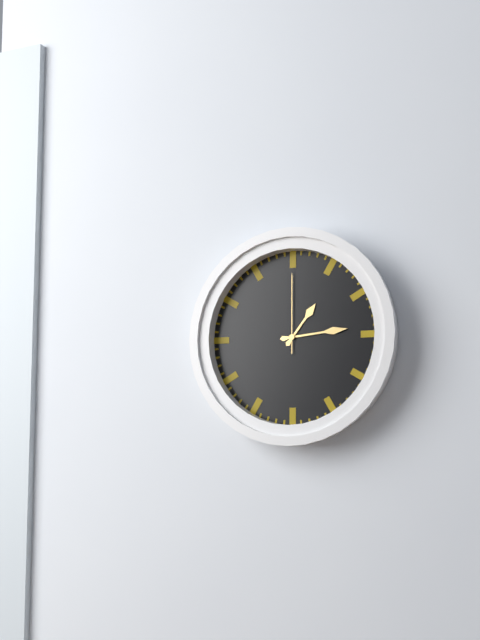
{"hour": 1, "minute": 14, "second": 0}
